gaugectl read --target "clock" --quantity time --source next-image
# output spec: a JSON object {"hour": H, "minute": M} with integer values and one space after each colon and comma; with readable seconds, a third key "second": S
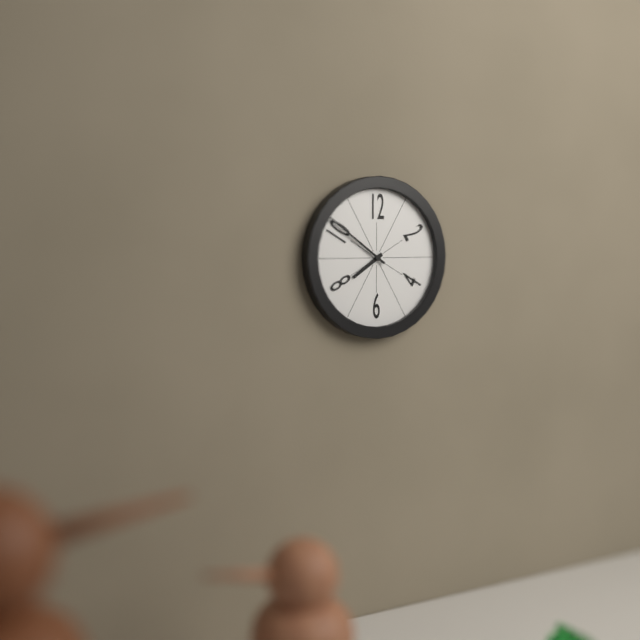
{"hour": 7, "minute": 51}
